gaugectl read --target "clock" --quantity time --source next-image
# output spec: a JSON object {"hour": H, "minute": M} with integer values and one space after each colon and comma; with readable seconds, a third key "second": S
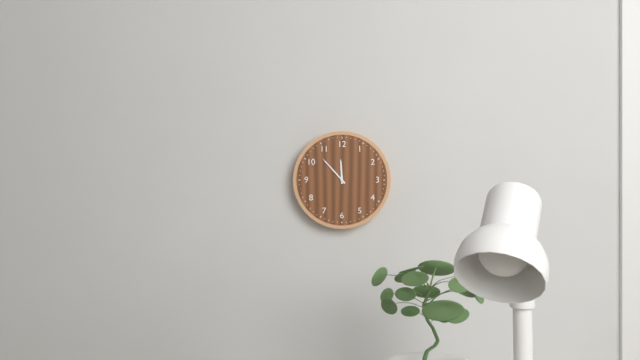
{"hour": 11, "minute": 53}
